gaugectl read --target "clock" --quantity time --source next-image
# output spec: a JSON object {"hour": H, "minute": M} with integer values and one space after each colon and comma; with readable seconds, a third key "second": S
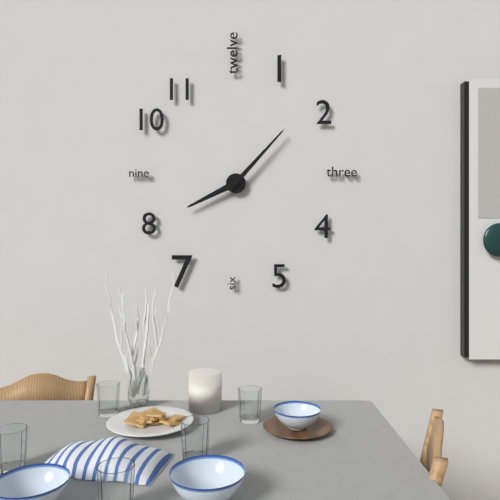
{"hour": 8, "minute": 7}
